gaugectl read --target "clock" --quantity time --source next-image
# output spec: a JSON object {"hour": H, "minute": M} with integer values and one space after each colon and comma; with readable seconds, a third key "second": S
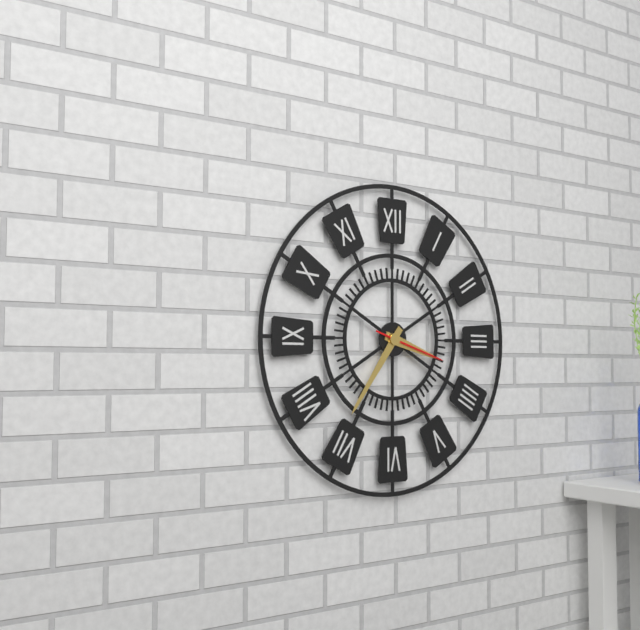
{"hour": 3, "minute": 36, "second": 18}
